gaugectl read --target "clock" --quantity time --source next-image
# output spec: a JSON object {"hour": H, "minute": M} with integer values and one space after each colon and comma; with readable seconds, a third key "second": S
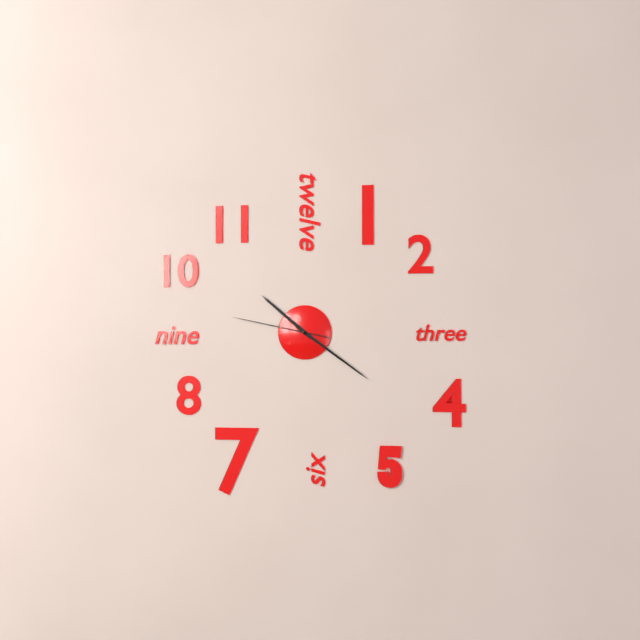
{"hour": 10, "minute": 21, "second": 47}
